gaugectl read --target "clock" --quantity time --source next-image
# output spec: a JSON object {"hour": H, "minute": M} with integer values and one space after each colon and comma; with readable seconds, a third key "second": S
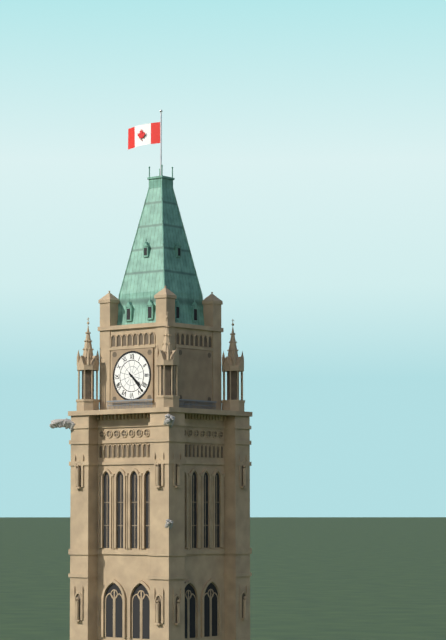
{"hour": 4, "minute": 23}
